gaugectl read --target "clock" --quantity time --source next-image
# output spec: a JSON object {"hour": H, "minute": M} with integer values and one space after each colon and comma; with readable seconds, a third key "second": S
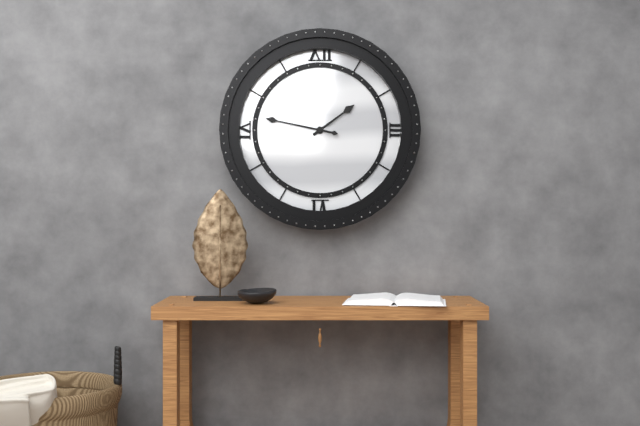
{"hour": 1, "minute": 47}
